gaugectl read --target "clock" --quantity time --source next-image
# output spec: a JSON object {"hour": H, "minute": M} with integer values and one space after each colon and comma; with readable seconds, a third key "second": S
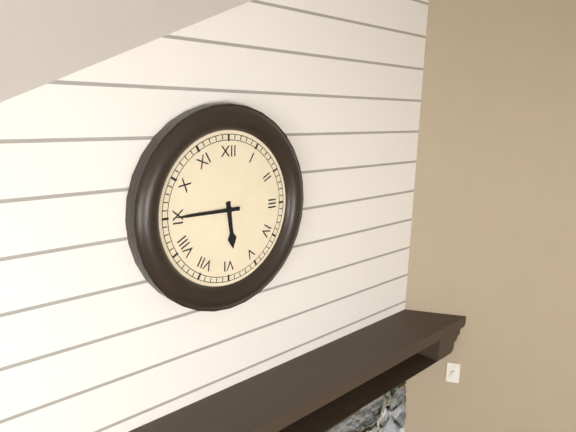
{"hour": 5, "minute": 45}
